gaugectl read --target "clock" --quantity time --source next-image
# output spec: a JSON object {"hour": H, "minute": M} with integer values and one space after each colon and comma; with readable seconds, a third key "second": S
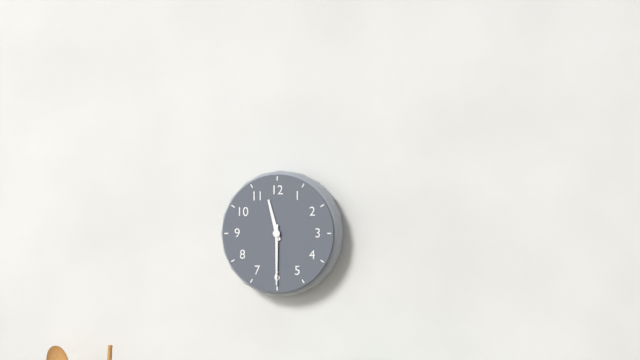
{"hour": 11, "minute": 30}
